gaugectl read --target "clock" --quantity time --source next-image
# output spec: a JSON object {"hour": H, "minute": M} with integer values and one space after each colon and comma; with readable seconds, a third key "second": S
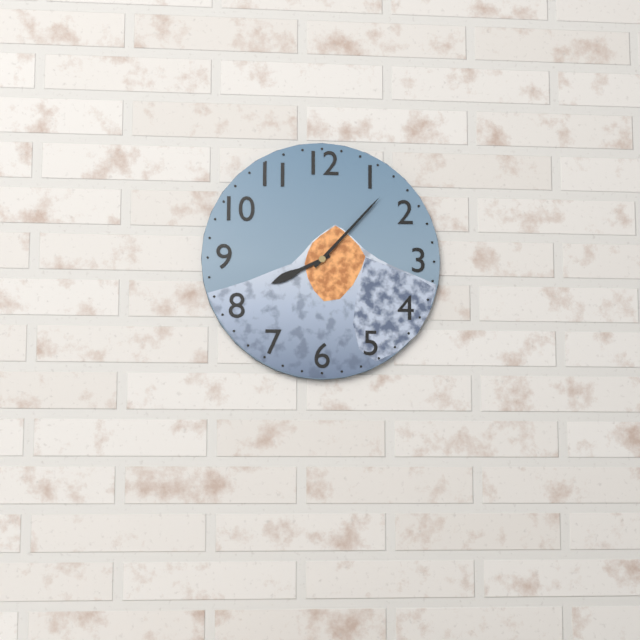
{"hour": 8, "minute": 7}
